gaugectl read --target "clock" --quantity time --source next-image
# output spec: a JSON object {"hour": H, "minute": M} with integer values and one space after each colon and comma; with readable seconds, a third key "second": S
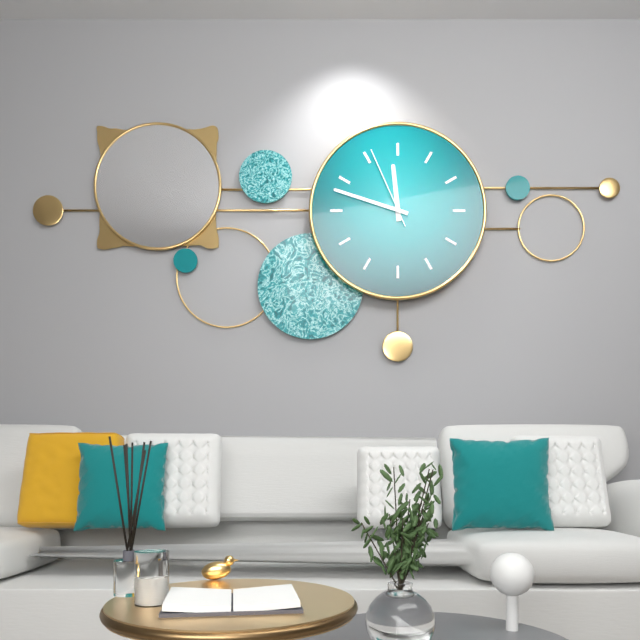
{"hour": 11, "minute": 48, "second": 56}
